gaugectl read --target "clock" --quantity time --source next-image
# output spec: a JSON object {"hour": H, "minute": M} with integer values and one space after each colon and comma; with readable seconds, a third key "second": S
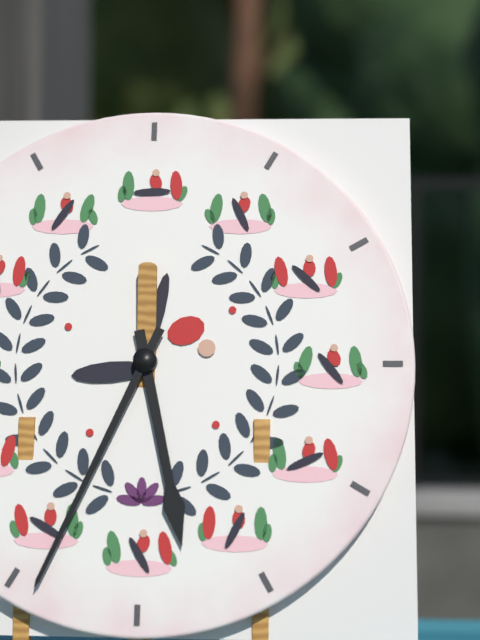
{"hour": 5, "minute": 34}
